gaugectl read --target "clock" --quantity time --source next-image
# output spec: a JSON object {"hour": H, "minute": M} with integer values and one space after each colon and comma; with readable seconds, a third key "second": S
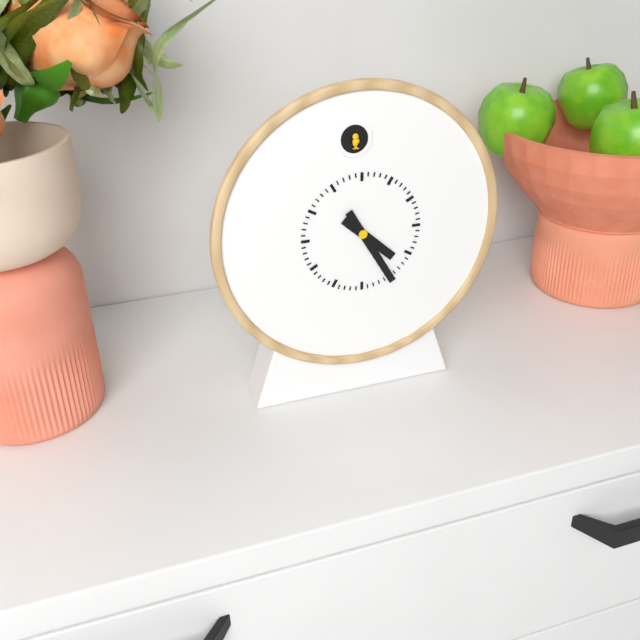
{"hour": 4, "minute": 25}
